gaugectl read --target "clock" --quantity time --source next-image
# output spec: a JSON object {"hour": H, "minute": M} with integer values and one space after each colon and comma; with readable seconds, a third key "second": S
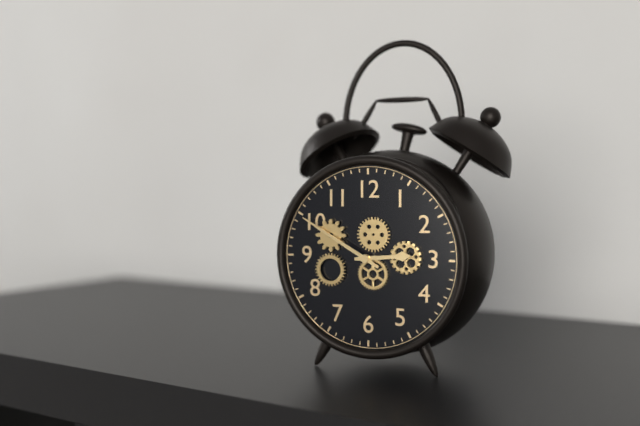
{"hour": 2, "minute": 50}
